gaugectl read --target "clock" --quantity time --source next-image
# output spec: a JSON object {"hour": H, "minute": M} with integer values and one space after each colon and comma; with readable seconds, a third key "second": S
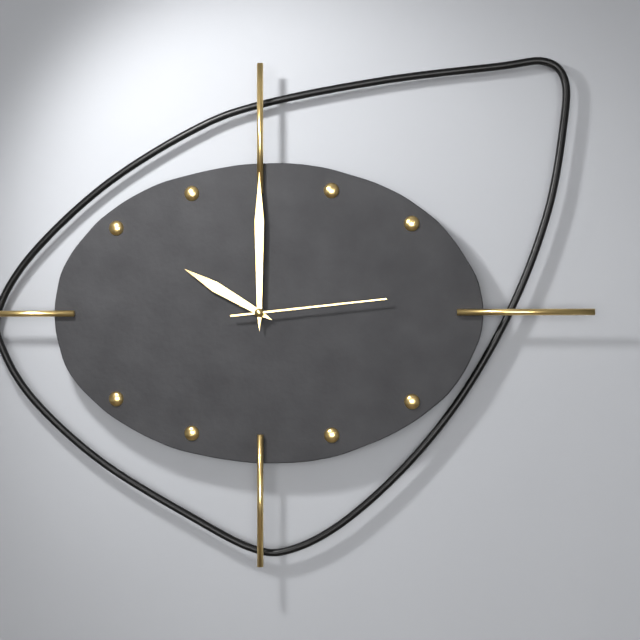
{"hour": 10, "minute": 0, "second": 14}
